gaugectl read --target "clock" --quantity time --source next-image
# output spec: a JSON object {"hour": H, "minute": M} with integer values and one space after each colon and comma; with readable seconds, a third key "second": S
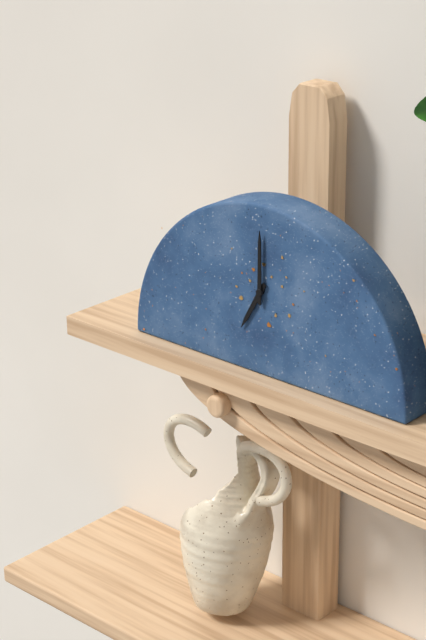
{"hour": 7, "minute": 0}
